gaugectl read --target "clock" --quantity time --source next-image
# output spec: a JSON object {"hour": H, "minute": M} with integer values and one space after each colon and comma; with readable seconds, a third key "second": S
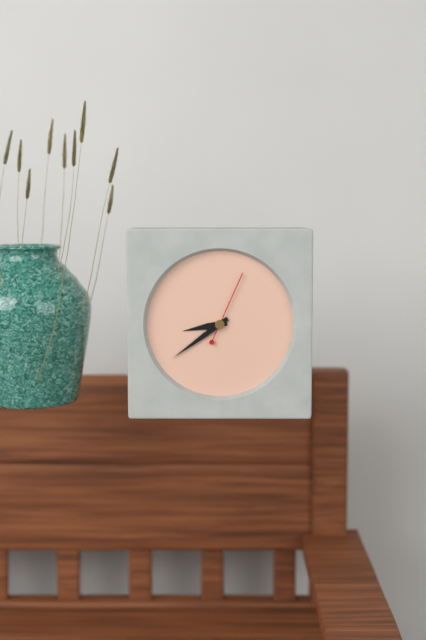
{"hour": 8, "minute": 39, "second": 4}
